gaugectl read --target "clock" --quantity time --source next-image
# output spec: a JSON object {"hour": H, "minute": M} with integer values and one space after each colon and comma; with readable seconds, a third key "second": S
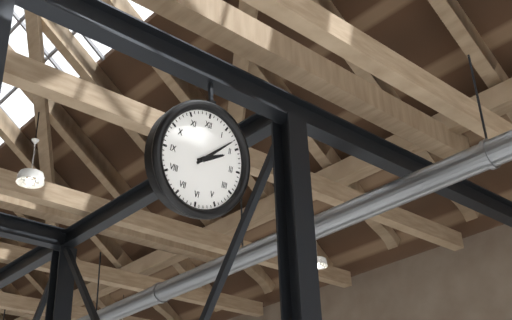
{"hour": 2, "minute": 8}
